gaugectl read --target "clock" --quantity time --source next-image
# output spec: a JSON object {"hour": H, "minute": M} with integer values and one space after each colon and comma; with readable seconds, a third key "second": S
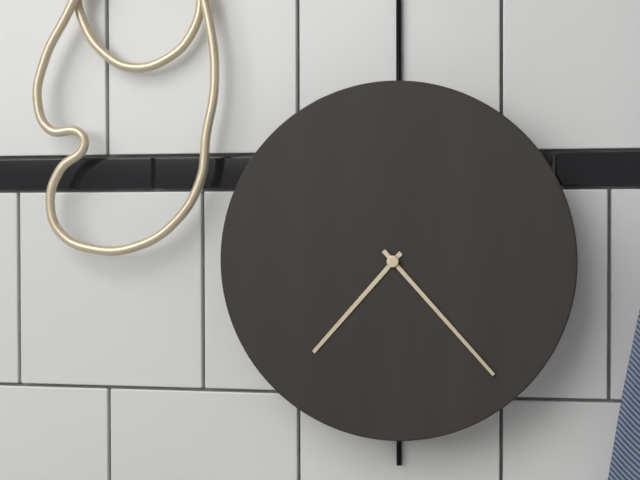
{"hour": 7, "minute": 23}
